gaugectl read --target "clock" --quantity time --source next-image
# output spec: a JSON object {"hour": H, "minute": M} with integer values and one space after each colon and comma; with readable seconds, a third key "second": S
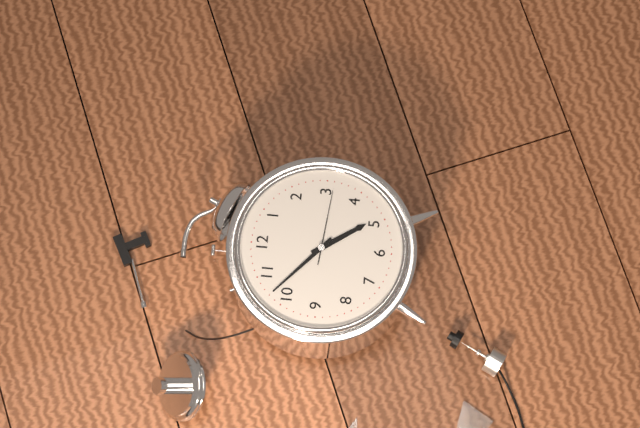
{"hour": 4, "minute": 52, "second": 16}
